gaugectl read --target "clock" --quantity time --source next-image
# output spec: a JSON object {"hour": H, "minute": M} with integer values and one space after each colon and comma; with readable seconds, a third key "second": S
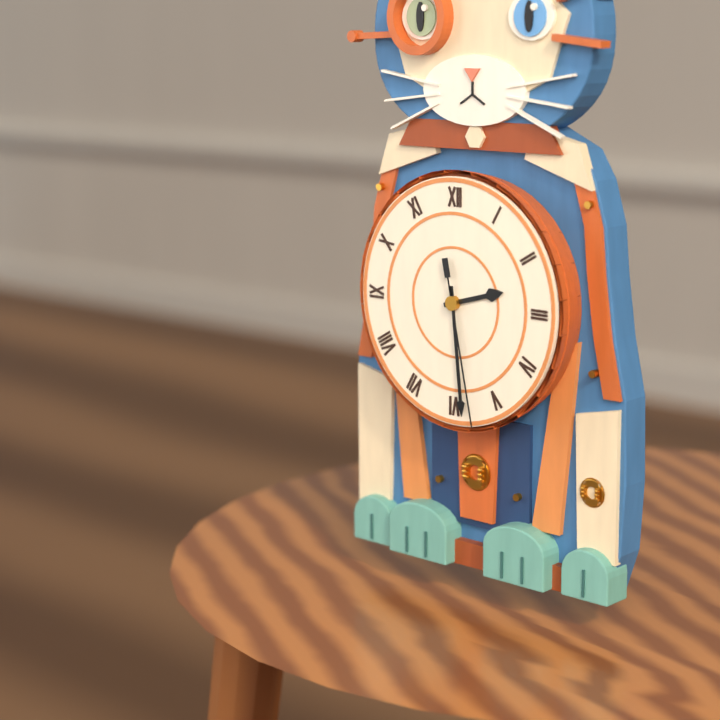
{"hour": 2, "minute": 29, "second": 28}
